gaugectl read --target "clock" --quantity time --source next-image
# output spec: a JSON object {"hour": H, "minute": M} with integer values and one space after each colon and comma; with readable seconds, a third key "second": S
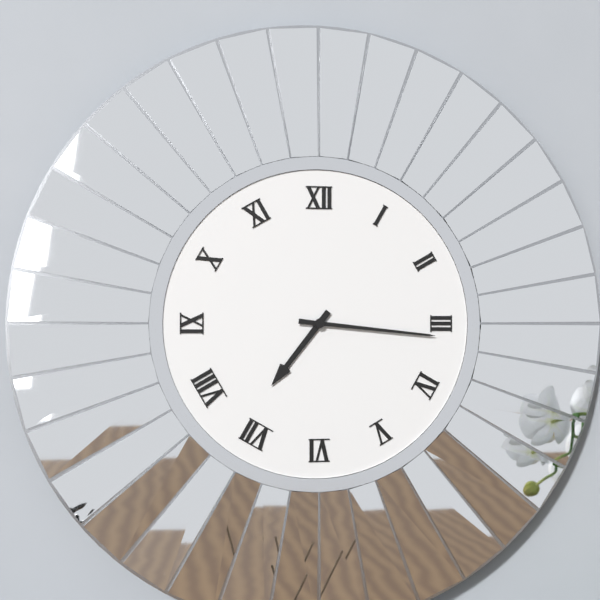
{"hour": 7, "minute": 16}
